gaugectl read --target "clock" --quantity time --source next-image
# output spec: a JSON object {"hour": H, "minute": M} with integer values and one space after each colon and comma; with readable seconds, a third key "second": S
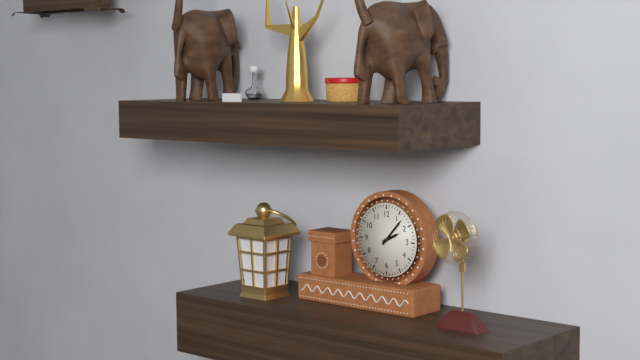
{"hour": 2, "minute": 7}
